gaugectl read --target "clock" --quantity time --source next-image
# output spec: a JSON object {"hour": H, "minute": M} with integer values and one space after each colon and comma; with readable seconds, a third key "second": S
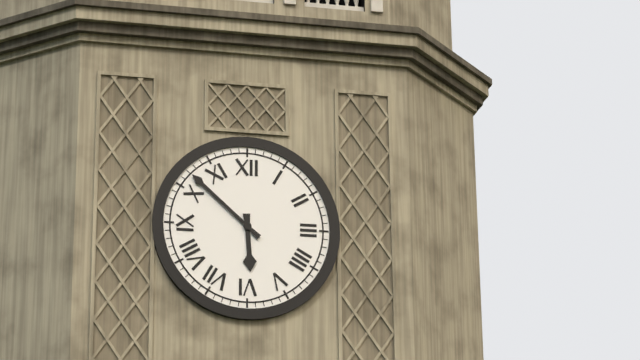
{"hour": 5, "minute": 52}
